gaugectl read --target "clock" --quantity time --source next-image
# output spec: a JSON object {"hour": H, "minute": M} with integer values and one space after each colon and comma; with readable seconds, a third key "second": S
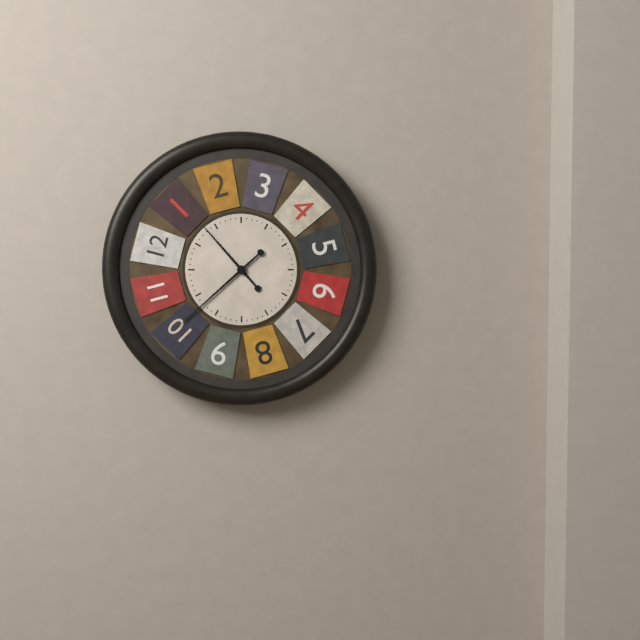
{"hour": 10, "minute": 38}
